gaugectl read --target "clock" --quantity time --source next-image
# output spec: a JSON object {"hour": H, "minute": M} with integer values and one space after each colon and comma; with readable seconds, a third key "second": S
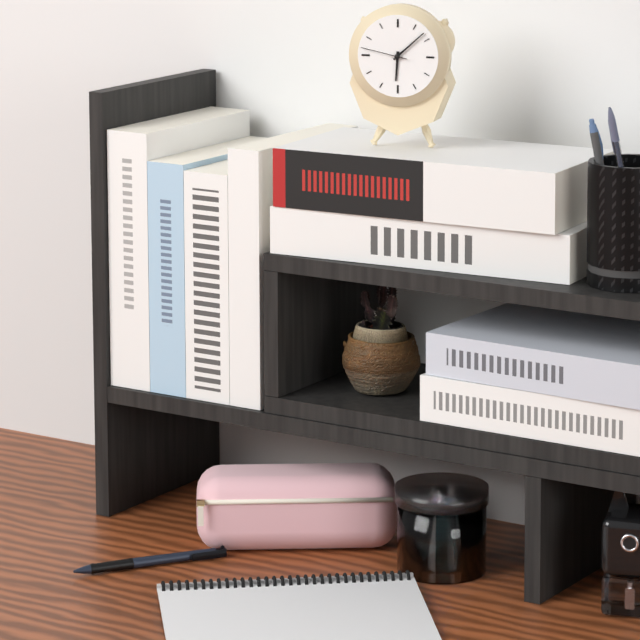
{"hour": 6, "minute": 8}
